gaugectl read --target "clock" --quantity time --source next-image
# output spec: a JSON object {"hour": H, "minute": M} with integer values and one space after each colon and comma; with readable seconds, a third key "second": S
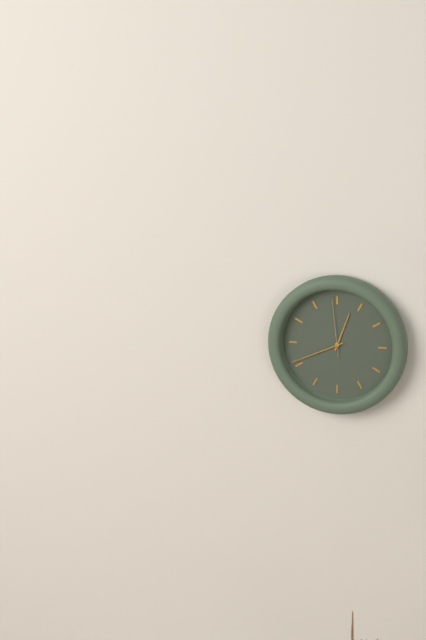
{"hour": 12, "minute": 41, "second": 59}
